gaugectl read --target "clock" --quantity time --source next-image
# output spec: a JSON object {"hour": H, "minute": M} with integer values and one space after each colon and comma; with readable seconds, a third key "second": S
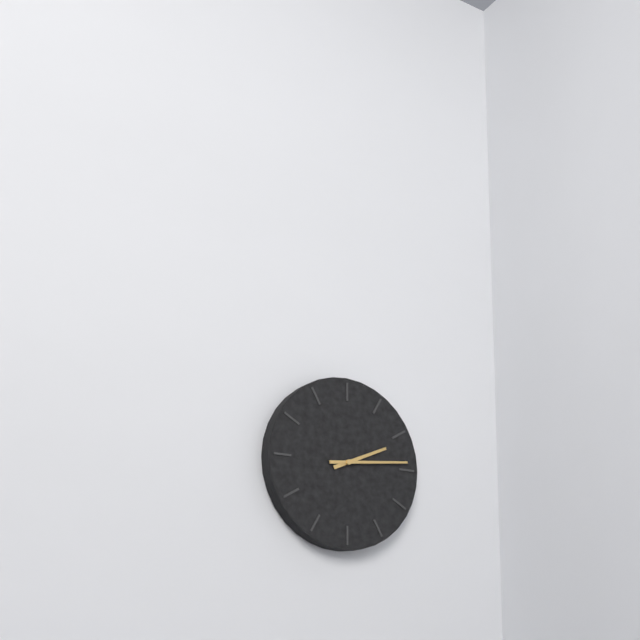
{"hour": 2, "minute": 14}
